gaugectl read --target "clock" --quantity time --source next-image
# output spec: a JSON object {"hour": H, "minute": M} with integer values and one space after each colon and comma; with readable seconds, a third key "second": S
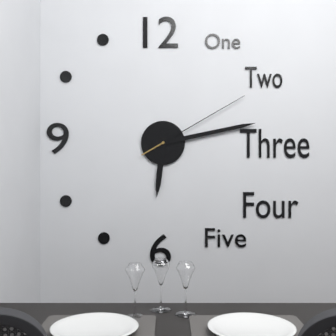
{"hour": 6, "minute": 13, "second": 10}
